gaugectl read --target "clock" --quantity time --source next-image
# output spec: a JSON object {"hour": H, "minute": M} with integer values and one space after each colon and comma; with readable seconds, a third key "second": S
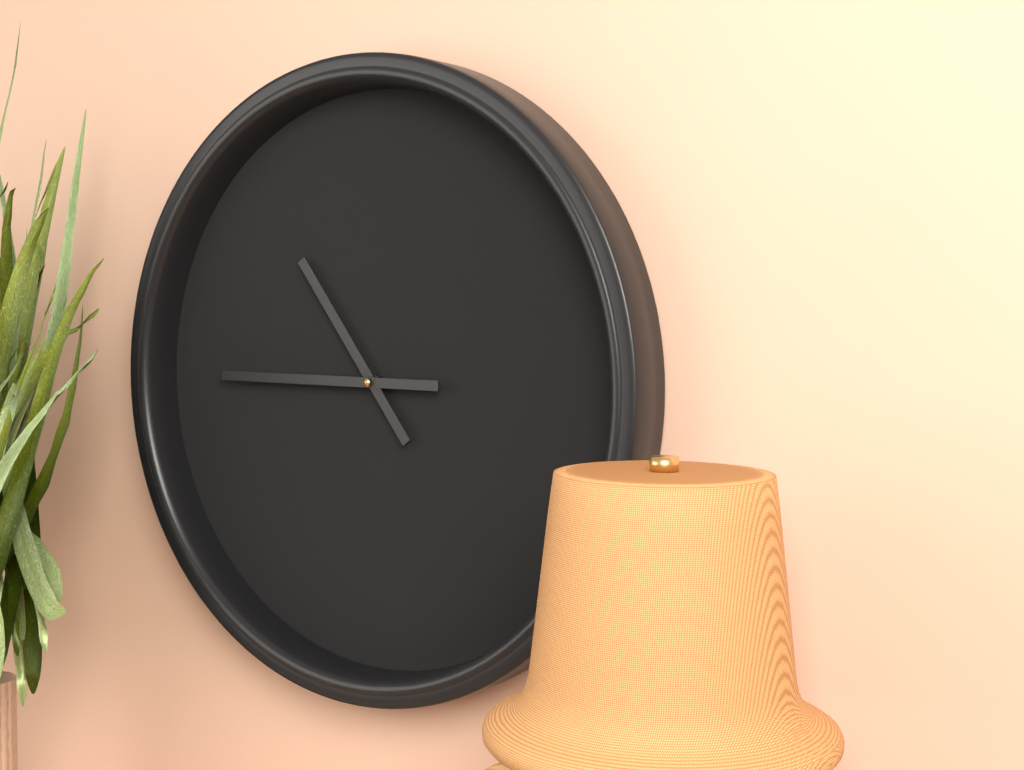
{"hour": 10, "minute": 45}
